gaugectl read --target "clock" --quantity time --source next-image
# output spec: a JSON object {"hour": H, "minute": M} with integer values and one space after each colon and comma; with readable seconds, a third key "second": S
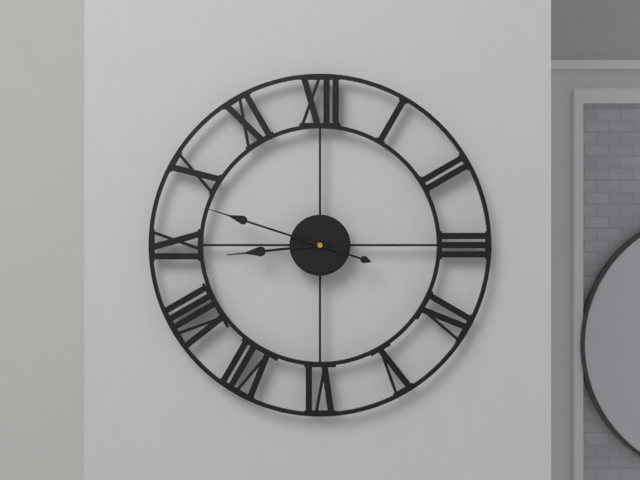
{"hour": 8, "minute": 48}
